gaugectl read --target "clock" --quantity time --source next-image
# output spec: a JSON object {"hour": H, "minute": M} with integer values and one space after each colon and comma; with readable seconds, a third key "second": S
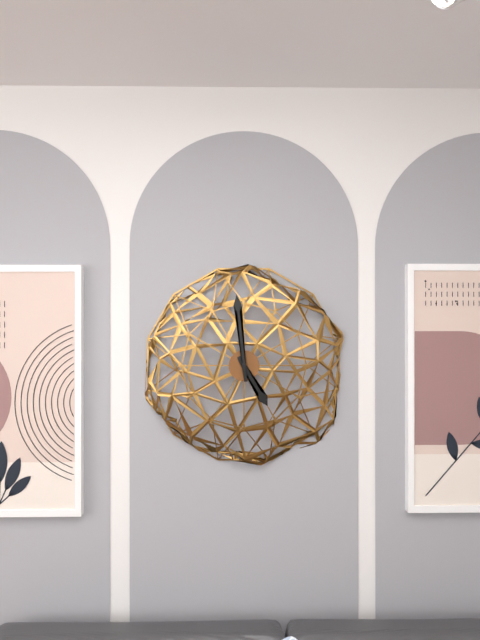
{"hour": 4, "minute": 59}
